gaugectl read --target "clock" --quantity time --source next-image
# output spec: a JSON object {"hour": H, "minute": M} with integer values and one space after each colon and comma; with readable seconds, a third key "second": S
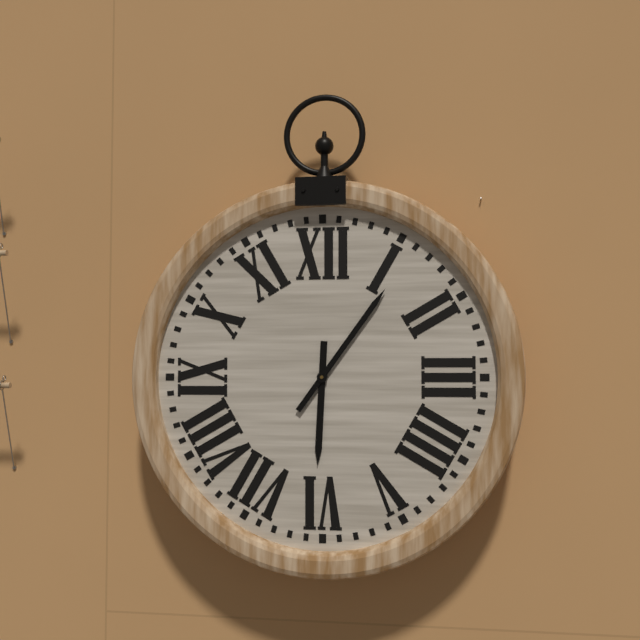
{"hour": 6, "minute": 6}
